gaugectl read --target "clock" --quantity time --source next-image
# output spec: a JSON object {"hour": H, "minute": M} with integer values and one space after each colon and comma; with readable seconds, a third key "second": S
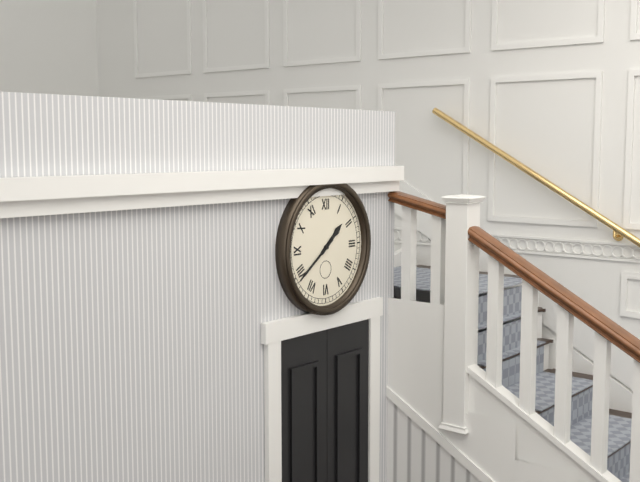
{"hour": 1, "minute": 39}
